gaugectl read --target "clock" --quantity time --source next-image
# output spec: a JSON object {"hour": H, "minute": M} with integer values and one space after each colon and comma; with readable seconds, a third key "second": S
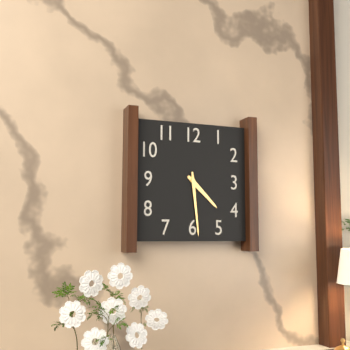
{"hour": 4, "minute": 29}
